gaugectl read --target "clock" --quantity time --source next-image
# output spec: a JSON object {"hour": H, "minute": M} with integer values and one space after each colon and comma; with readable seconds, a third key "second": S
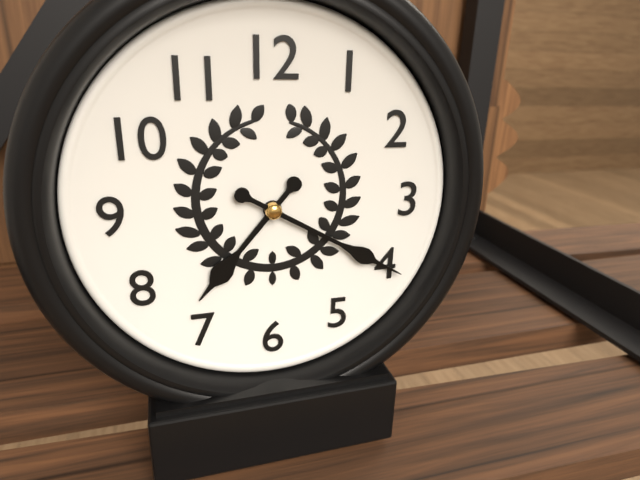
{"hour": 7, "minute": 20}
